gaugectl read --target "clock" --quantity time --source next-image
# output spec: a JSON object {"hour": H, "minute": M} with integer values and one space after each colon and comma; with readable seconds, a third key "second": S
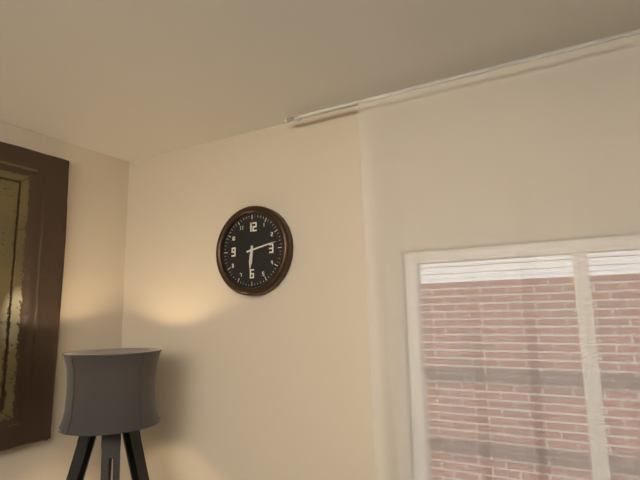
{"hour": 6, "minute": 13}
